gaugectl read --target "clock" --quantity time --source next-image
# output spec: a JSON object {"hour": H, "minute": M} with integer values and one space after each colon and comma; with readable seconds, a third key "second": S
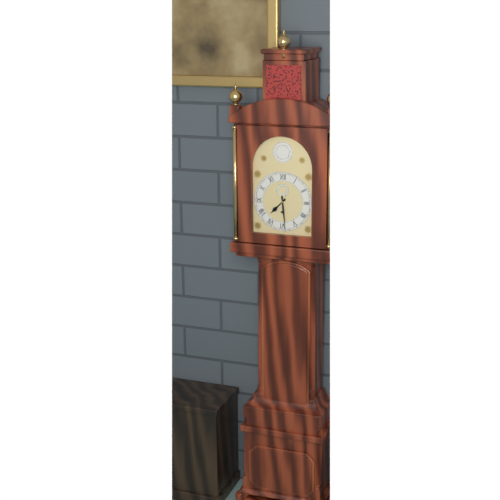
{"hour": 7, "minute": 29}
